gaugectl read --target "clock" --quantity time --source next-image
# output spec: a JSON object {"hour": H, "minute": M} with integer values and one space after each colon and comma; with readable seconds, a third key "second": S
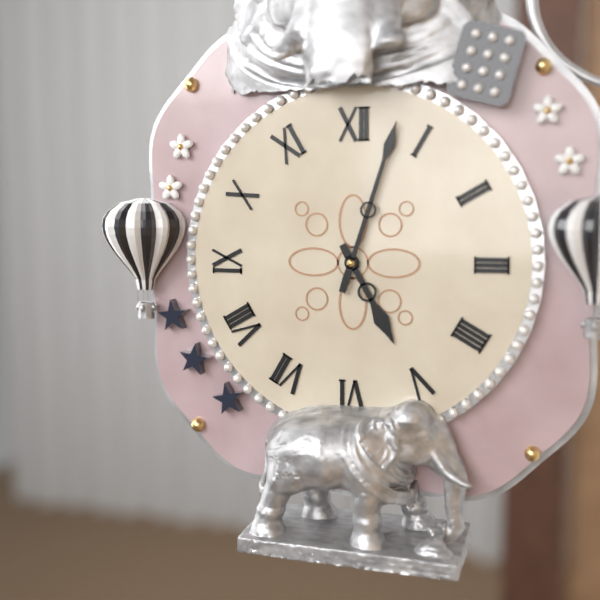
{"hour": 5, "minute": 3}
